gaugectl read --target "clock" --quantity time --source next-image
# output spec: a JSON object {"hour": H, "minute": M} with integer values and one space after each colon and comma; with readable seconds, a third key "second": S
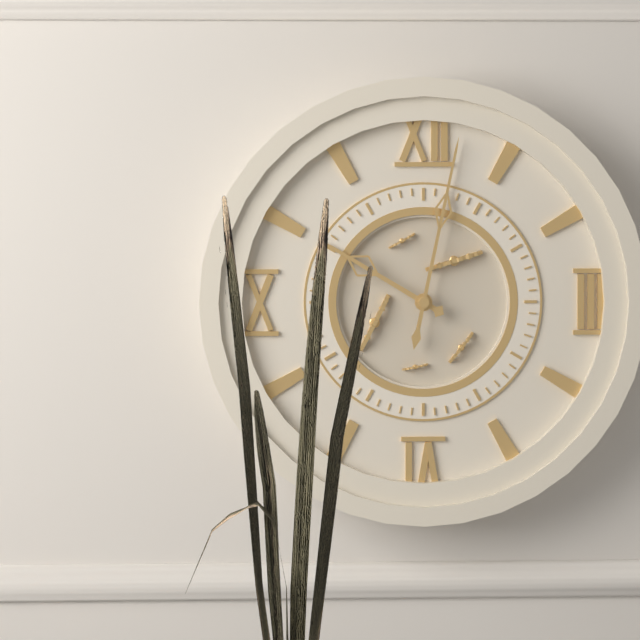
{"hour": 10, "minute": 2}
